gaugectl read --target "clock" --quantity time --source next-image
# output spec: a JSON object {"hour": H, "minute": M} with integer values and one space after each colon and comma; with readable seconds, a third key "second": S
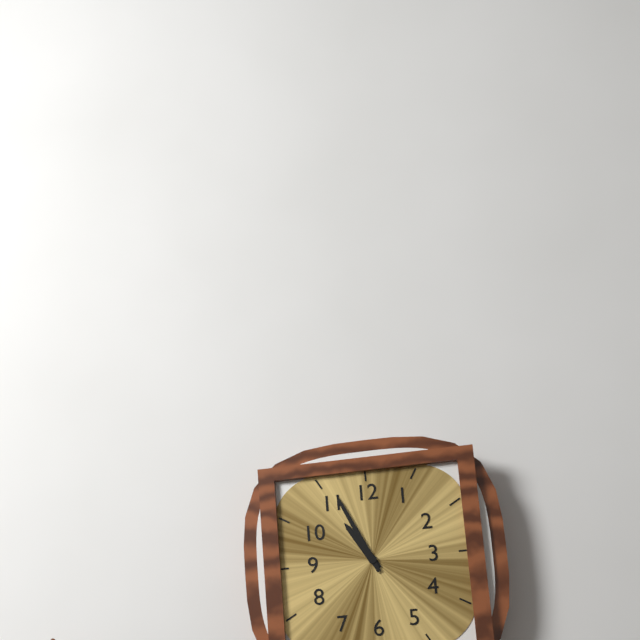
{"hour": 10, "minute": 56}
